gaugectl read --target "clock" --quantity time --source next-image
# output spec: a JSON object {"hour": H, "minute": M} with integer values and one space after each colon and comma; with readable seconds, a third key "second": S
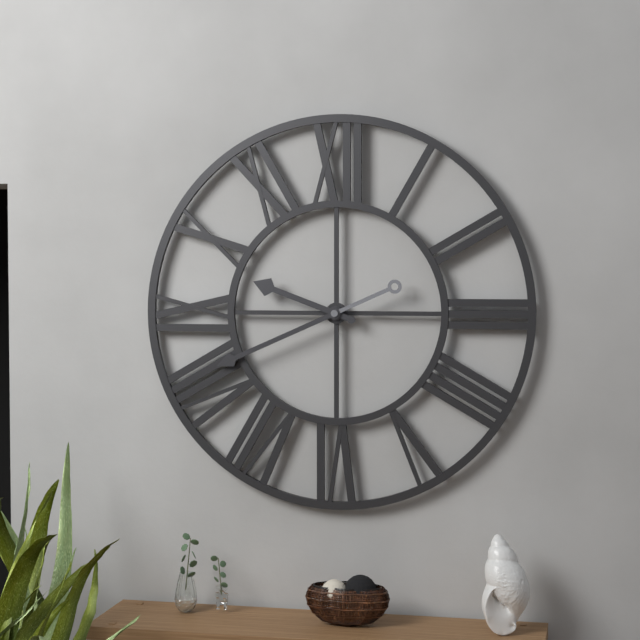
{"hour": 9, "minute": 41}
